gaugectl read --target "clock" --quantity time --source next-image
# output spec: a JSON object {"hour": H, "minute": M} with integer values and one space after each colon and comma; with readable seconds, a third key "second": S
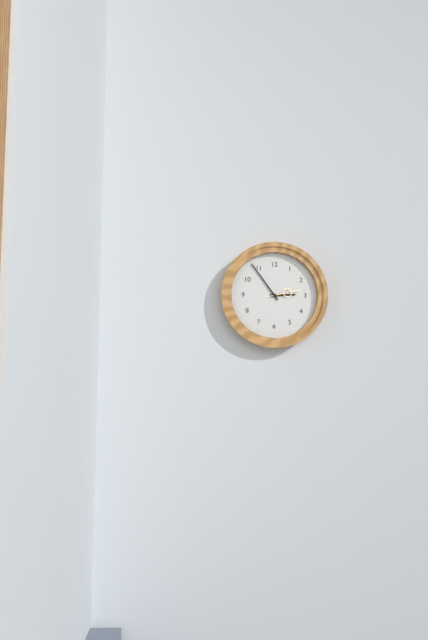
{"hour": 2, "minute": 54}
